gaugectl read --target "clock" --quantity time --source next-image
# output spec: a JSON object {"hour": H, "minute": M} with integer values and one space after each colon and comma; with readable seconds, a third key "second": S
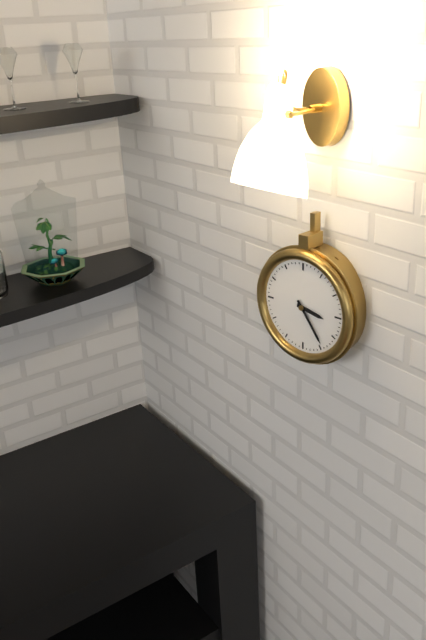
{"hour": 3, "minute": 24}
